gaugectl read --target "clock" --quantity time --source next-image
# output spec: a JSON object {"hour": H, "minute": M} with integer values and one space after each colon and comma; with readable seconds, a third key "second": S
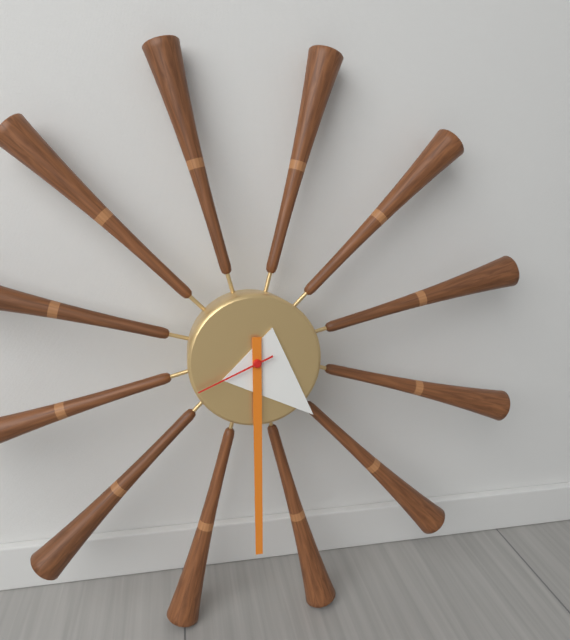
{"hour": 4, "minute": 30, "second": 41}
